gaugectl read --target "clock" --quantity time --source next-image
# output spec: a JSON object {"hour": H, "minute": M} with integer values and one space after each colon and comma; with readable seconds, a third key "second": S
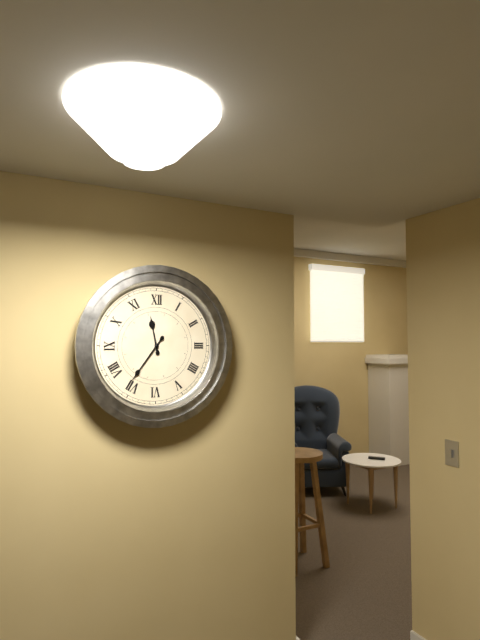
{"hour": 11, "minute": 36}
